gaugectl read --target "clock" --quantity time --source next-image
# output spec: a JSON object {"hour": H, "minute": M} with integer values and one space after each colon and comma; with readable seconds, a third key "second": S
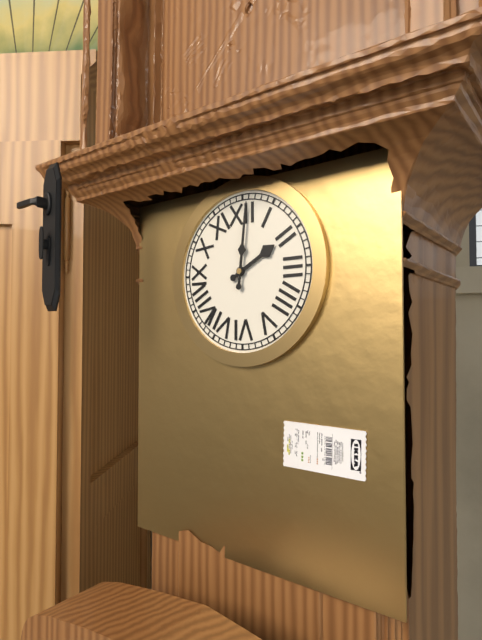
{"hour": 2, "minute": 1}
